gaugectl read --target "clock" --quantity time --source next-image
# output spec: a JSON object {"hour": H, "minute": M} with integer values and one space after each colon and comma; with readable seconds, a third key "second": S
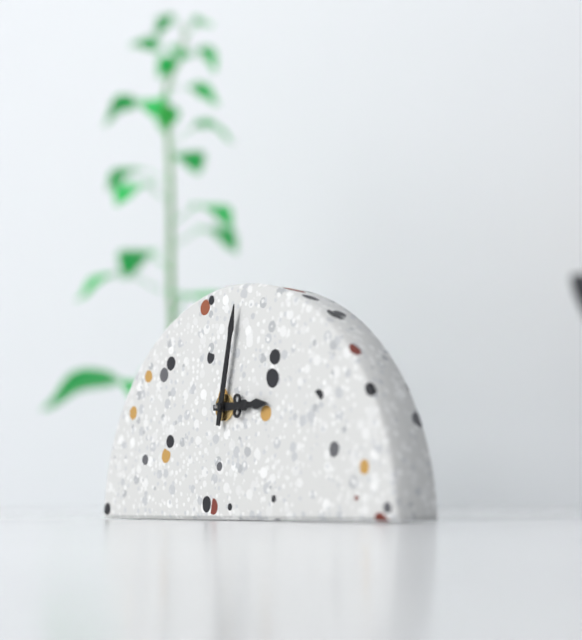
{"hour": 3, "minute": 2}
